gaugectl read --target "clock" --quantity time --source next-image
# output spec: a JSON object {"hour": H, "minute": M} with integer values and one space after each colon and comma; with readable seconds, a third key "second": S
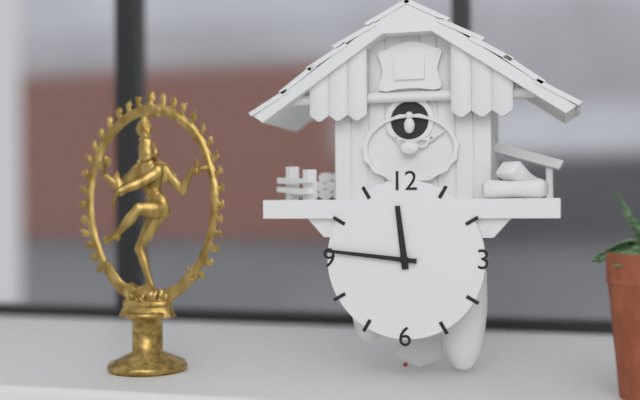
{"hour": 11, "minute": 46}
